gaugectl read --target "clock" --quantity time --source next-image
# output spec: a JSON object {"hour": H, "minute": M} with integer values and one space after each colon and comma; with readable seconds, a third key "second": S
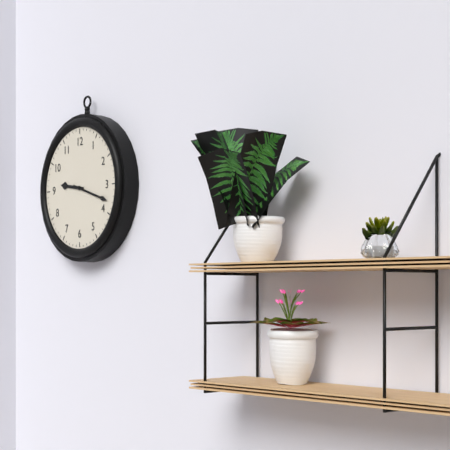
{"hour": 9, "minute": 18}
